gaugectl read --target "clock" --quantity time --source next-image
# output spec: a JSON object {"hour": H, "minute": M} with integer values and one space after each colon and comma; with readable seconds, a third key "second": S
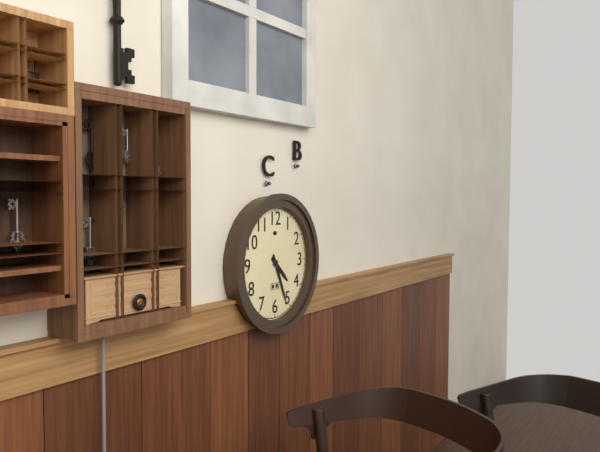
{"hour": 4, "minute": 26}
